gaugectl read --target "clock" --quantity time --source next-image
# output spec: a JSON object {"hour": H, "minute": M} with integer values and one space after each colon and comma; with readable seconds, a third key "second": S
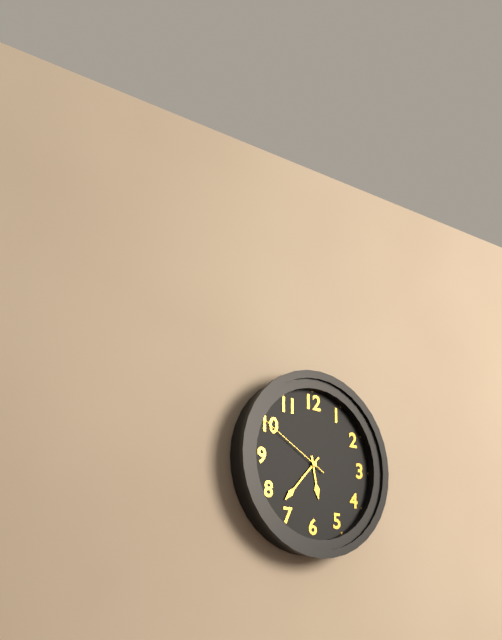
{"hour": 5, "minute": 37, "second": 50}
